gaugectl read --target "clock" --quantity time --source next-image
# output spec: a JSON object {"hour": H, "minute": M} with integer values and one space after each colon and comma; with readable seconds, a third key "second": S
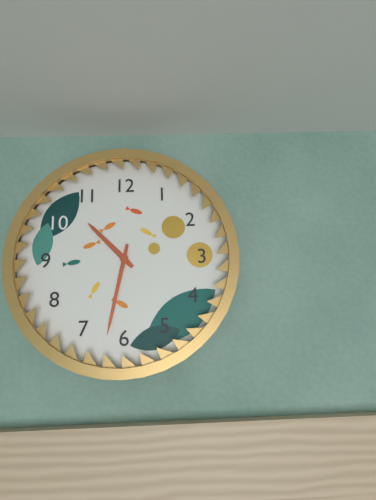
{"hour": 10, "minute": 32}
